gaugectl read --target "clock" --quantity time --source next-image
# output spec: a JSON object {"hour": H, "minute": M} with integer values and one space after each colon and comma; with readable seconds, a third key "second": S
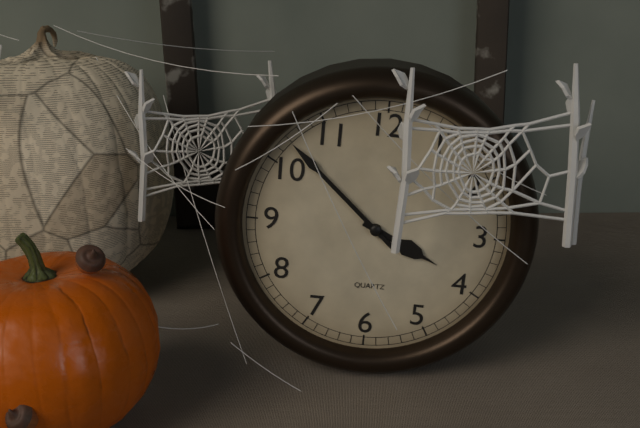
{"hour": 3, "minute": 52}
